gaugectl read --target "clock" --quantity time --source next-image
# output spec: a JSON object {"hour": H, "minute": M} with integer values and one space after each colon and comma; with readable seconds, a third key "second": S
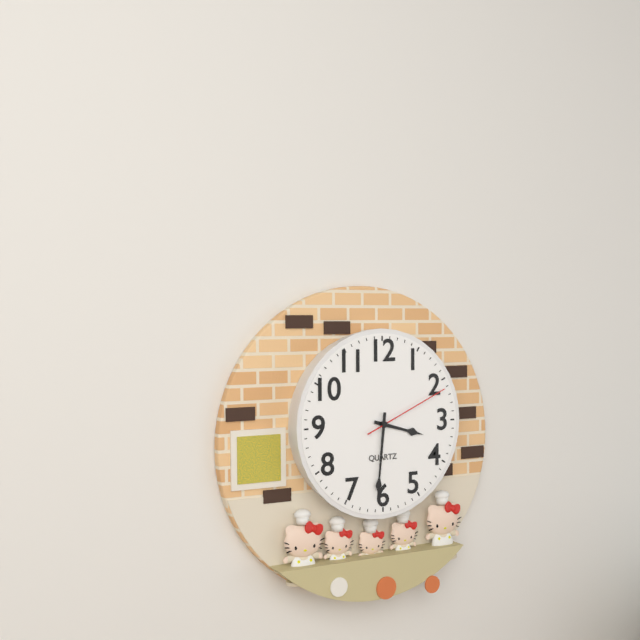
{"hour": 3, "minute": 31, "second": 11}
